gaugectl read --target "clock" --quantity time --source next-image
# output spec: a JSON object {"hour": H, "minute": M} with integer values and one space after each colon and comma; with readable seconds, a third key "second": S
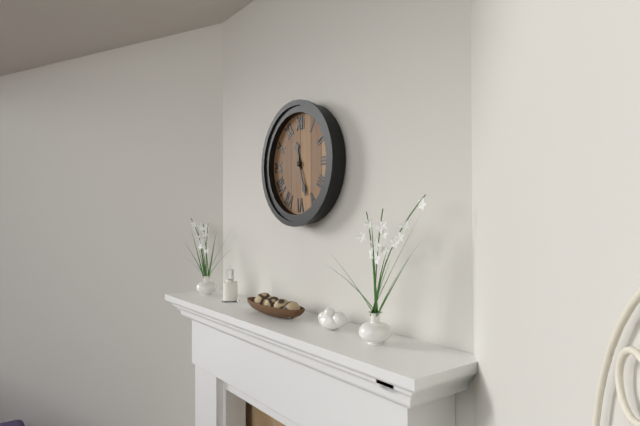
{"hour": 11, "minute": 27}
